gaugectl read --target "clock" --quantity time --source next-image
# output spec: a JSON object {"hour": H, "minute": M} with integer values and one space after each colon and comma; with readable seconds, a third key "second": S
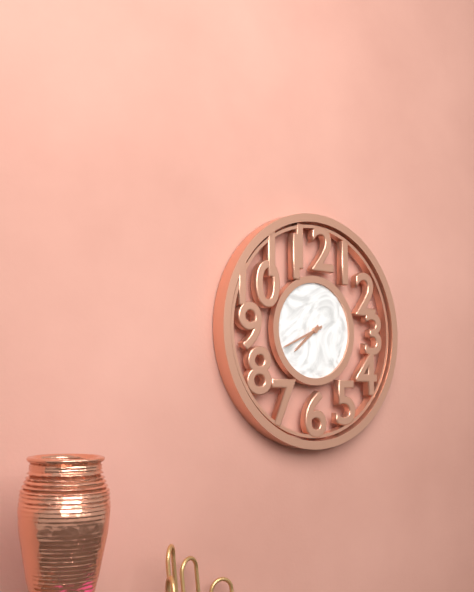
{"hour": 7, "minute": 41}
